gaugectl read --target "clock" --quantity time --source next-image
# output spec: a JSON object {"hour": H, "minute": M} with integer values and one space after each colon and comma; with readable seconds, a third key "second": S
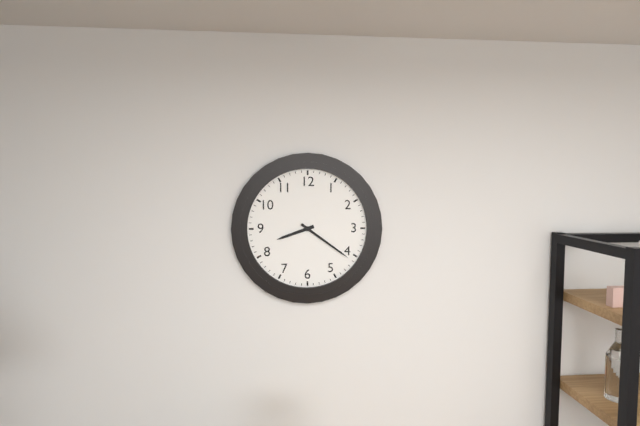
{"hour": 8, "minute": 21}
